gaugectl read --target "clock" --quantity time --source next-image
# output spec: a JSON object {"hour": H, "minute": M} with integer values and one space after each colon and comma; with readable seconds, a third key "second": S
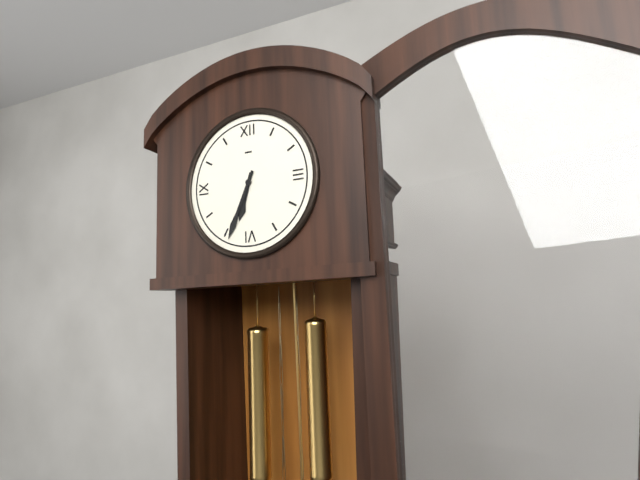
{"hour": 6, "minute": 34}
